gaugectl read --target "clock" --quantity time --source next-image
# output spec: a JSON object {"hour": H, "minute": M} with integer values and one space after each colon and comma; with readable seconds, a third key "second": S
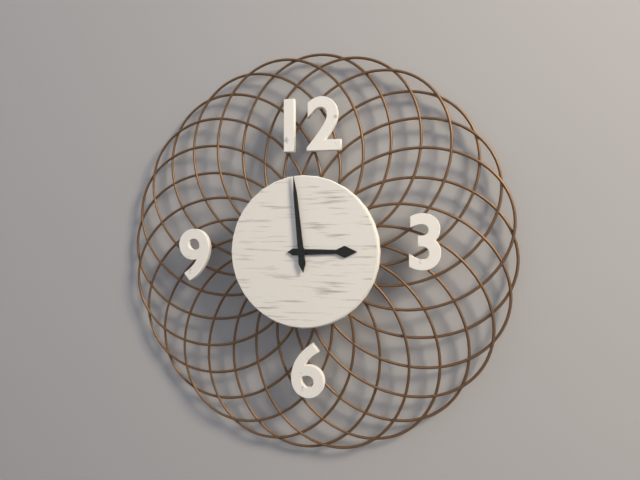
{"hour": 2, "minute": 59}
